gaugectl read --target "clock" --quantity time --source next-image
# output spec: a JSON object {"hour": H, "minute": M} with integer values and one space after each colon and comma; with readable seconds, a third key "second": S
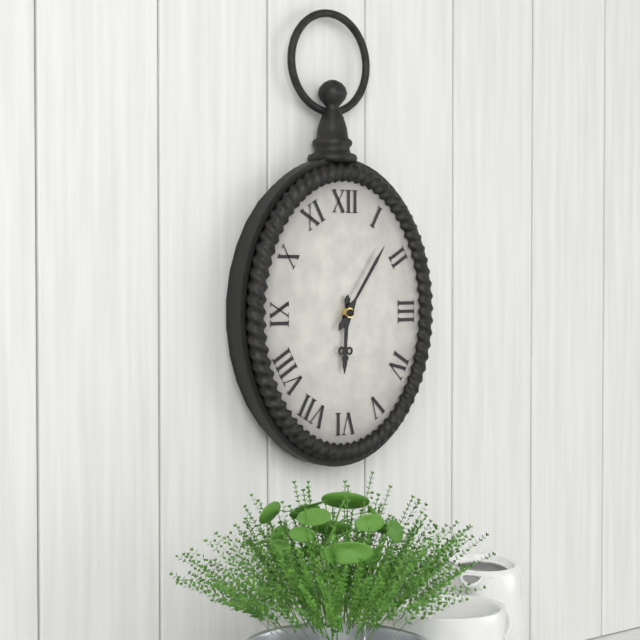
{"hour": 6, "minute": 6}
